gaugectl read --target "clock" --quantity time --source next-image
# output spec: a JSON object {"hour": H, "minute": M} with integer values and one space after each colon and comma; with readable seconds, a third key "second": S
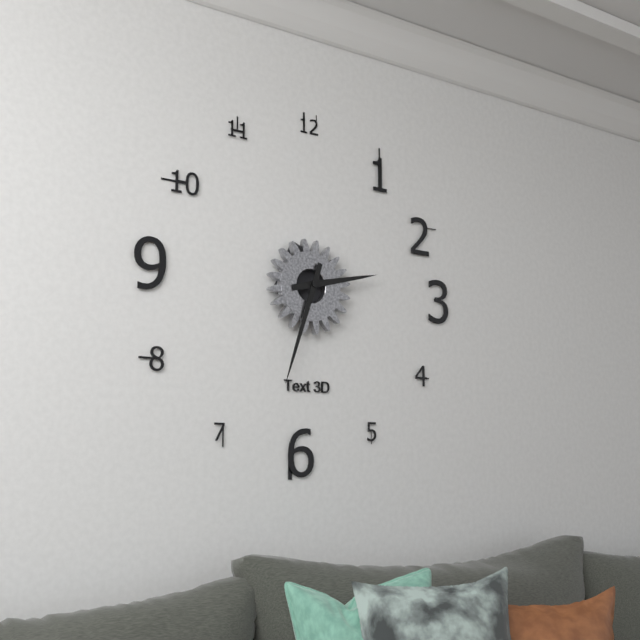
{"hour": 2, "minute": 33}
